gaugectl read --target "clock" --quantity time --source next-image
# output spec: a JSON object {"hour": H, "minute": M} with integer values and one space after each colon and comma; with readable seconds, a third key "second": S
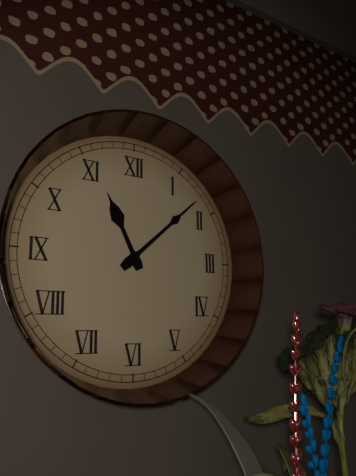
{"hour": 11, "minute": 8}
